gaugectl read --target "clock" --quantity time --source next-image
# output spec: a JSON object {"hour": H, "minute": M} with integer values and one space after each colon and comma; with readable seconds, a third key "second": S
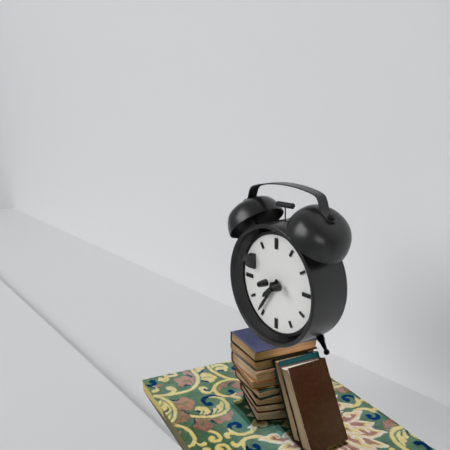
{"hour": 7, "minute": 36}
